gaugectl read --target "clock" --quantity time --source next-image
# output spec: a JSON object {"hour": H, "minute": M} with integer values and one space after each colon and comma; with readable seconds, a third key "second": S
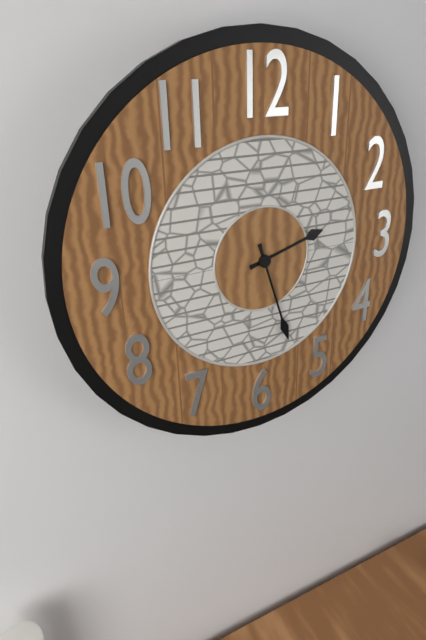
{"hour": 2, "minute": 27}
